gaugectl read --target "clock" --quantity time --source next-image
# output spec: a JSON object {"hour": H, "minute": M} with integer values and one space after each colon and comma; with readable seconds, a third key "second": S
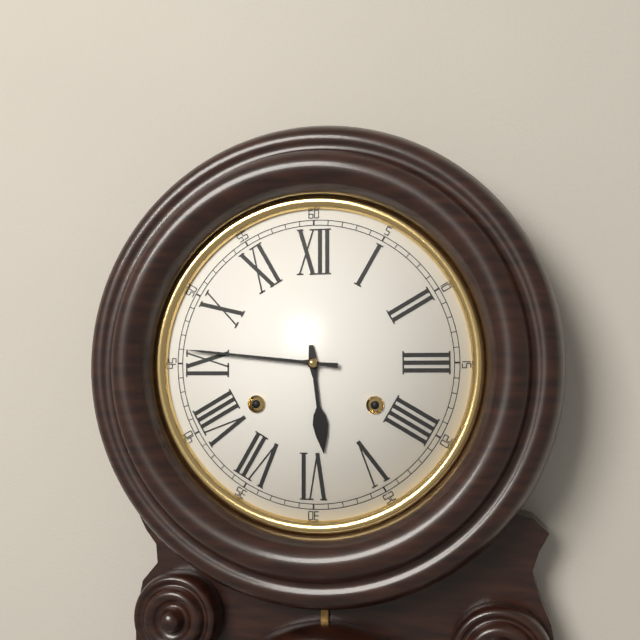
{"hour": 5, "minute": 46}
